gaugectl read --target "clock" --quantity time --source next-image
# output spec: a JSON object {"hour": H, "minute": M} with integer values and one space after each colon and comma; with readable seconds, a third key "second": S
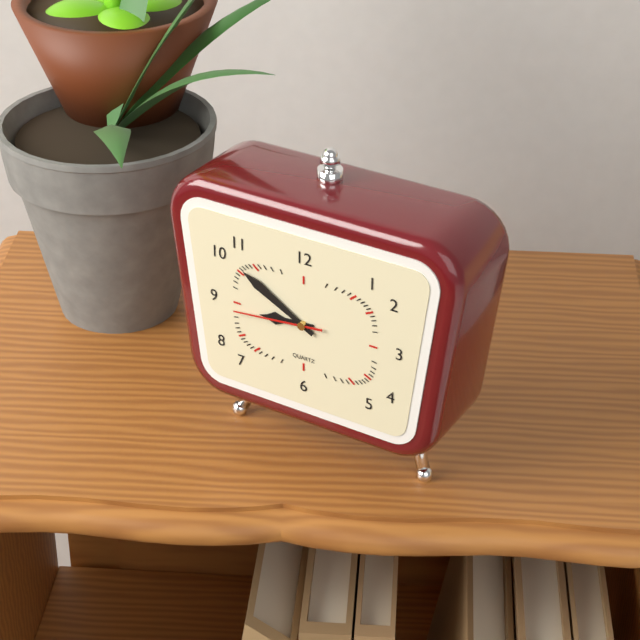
{"hour": 8, "minute": 50, "second": 44}
